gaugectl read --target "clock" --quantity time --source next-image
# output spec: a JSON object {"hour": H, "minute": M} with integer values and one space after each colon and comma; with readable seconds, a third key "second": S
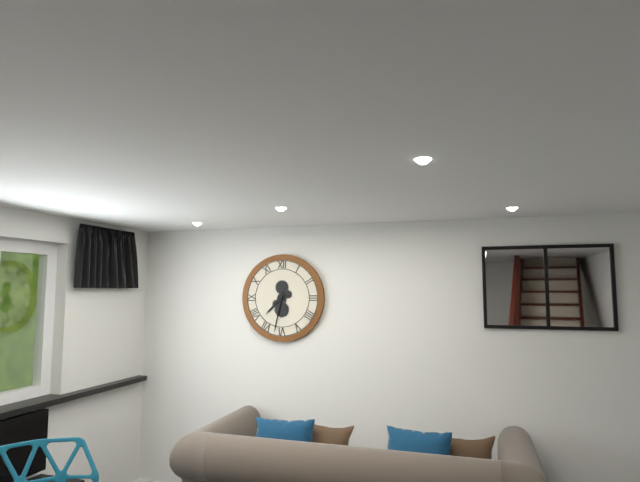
{"hour": 7, "minute": 32}
